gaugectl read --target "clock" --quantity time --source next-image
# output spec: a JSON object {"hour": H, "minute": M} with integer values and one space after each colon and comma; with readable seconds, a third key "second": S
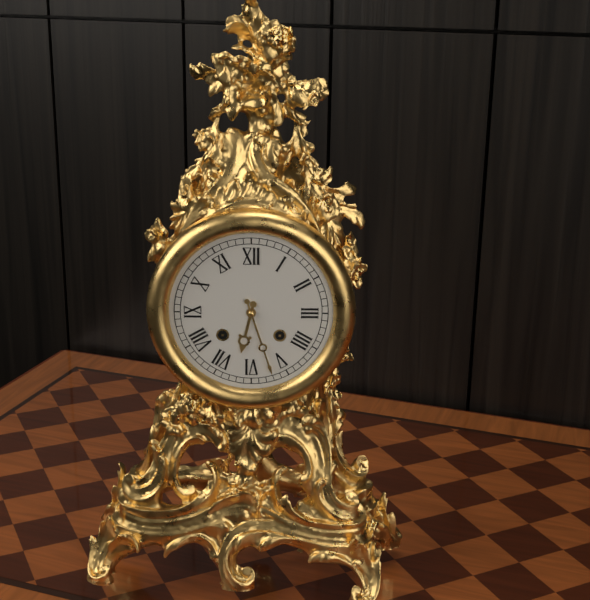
{"hour": 6, "minute": 27}
